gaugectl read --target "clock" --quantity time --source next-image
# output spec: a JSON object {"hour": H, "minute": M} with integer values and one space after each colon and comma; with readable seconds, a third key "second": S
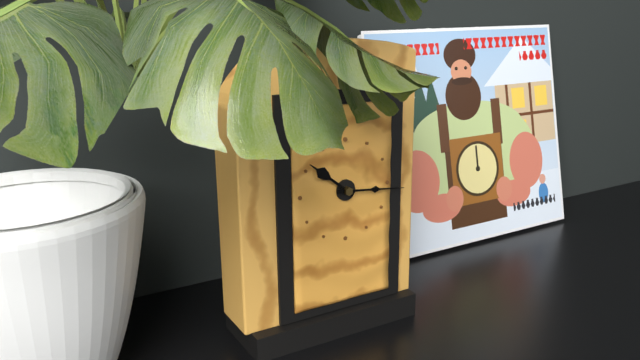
{"hour": 10, "minute": 16}
